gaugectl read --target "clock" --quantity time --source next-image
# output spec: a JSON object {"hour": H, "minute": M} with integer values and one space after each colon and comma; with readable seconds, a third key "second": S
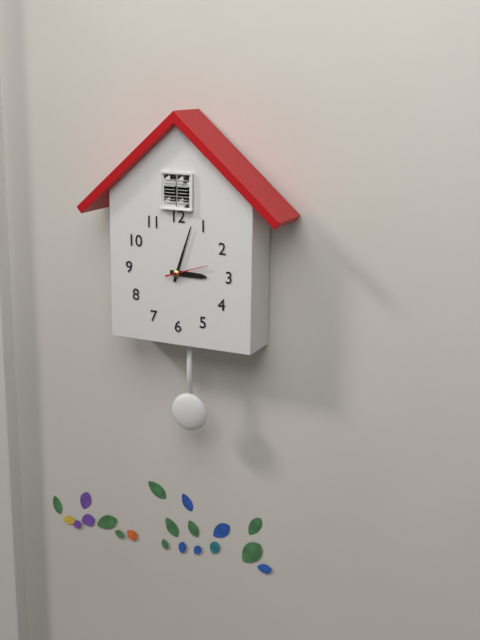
{"hour": 3, "minute": 3}
